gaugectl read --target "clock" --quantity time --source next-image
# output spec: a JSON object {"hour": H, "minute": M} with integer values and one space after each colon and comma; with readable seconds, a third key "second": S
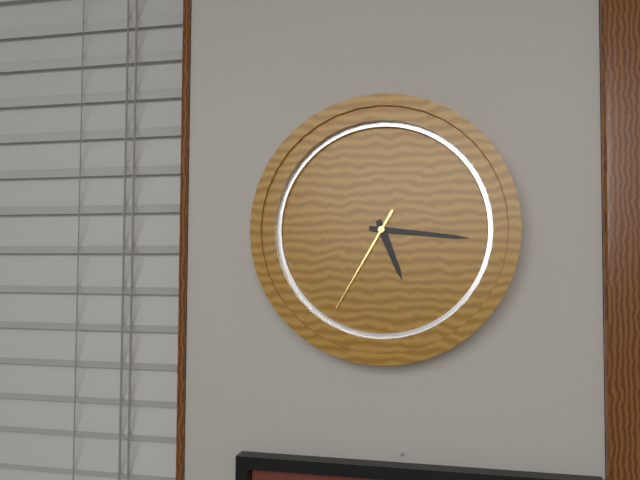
{"hour": 5, "minute": 16, "second": 35}
